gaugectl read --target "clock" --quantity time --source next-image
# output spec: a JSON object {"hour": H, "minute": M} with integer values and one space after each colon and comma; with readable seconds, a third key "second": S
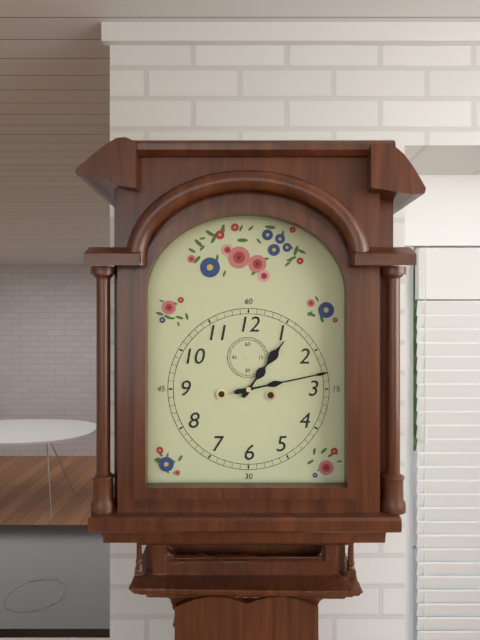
{"hour": 1, "minute": 13}
